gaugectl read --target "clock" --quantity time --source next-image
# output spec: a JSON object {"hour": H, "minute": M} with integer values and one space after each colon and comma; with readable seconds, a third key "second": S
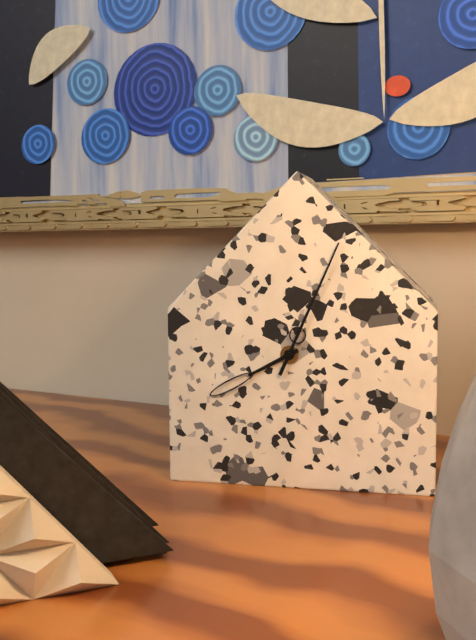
{"hour": 8, "minute": 4}
